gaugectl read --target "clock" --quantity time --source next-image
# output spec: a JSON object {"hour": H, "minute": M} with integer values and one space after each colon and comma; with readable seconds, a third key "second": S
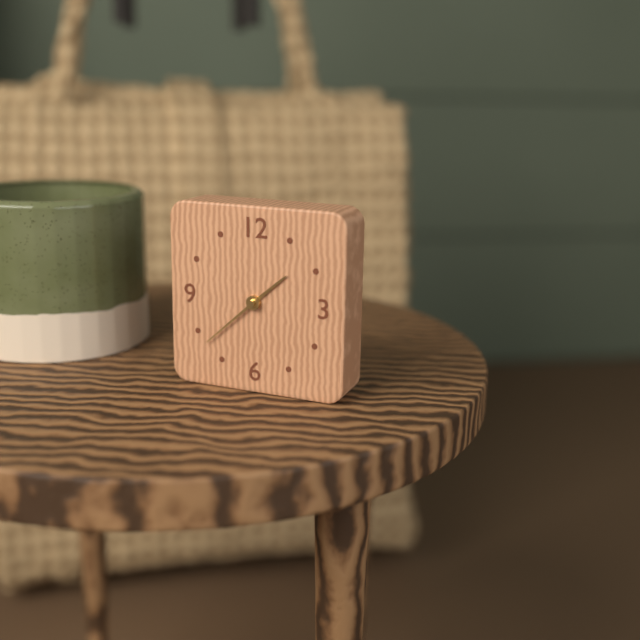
{"hour": 1, "minute": 38}
